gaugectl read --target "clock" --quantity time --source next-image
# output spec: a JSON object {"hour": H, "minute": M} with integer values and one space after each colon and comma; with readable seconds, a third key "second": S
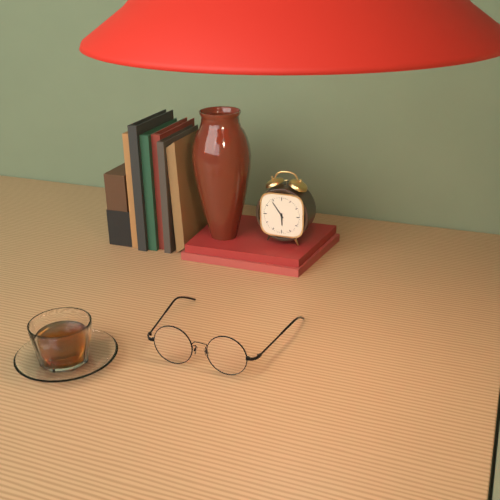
{"hour": 5, "minute": 54}
